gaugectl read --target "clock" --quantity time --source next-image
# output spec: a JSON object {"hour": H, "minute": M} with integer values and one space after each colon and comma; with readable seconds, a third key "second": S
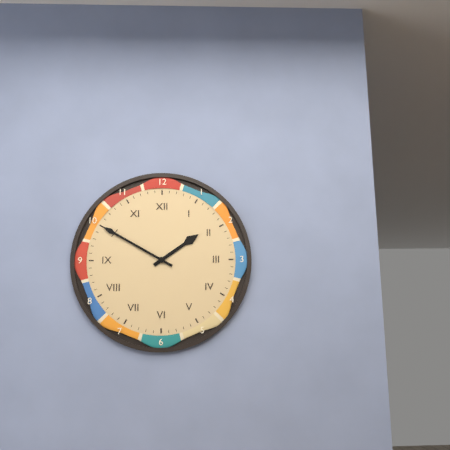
{"hour": 1, "minute": 50}
